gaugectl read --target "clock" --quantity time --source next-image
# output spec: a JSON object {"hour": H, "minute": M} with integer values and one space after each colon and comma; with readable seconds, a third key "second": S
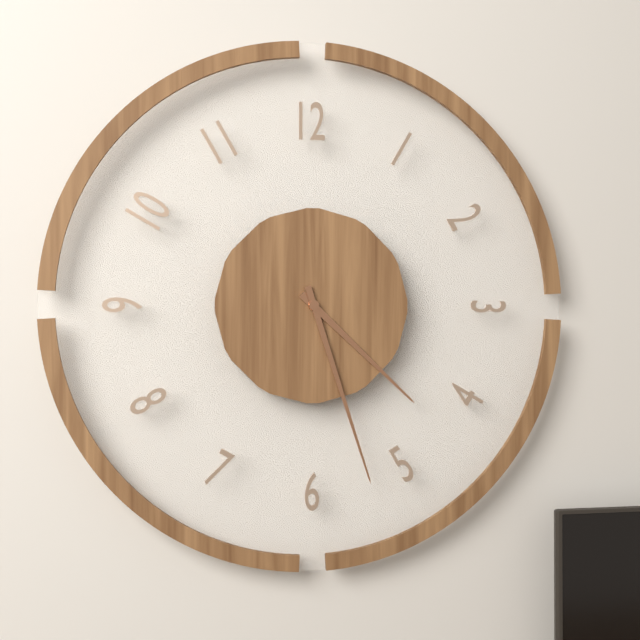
{"hour": 4, "minute": 27}
